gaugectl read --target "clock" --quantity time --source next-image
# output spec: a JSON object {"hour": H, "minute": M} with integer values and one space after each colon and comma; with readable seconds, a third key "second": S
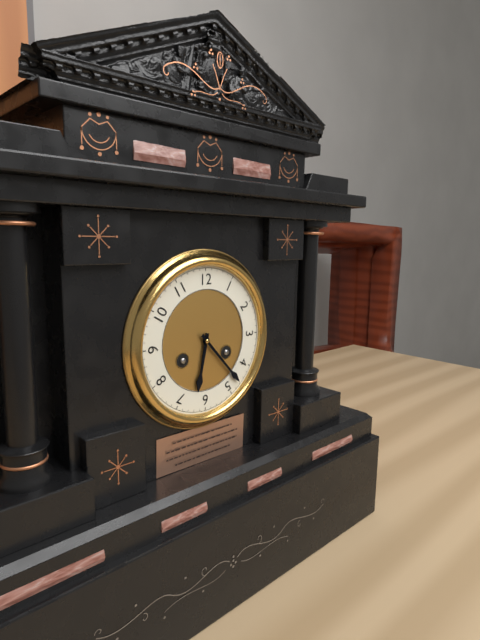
{"hour": 6, "minute": 23}
